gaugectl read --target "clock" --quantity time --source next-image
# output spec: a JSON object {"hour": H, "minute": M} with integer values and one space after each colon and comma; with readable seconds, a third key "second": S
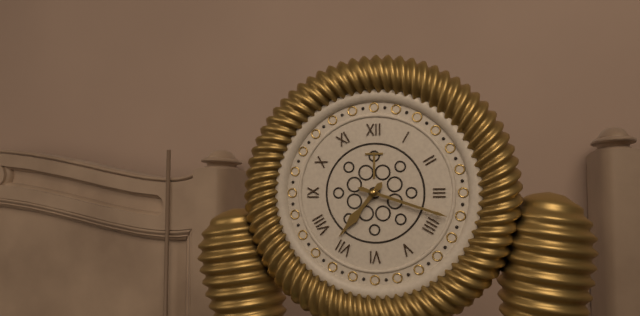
{"hour": 7, "minute": 18}
